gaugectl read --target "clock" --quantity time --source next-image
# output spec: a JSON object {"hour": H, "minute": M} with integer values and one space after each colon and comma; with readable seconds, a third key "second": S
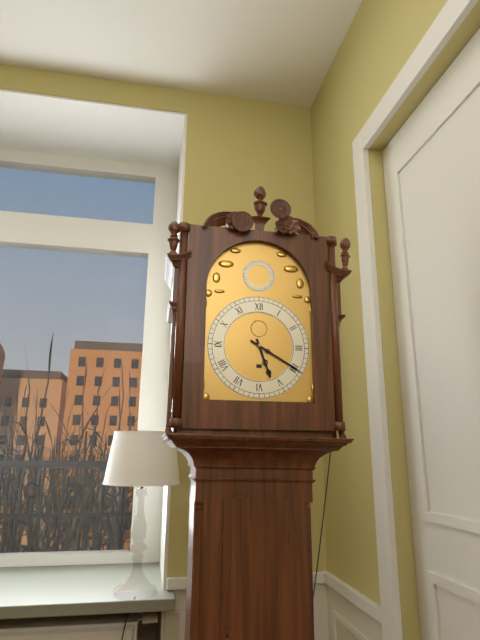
{"hour": 5, "minute": 20}
